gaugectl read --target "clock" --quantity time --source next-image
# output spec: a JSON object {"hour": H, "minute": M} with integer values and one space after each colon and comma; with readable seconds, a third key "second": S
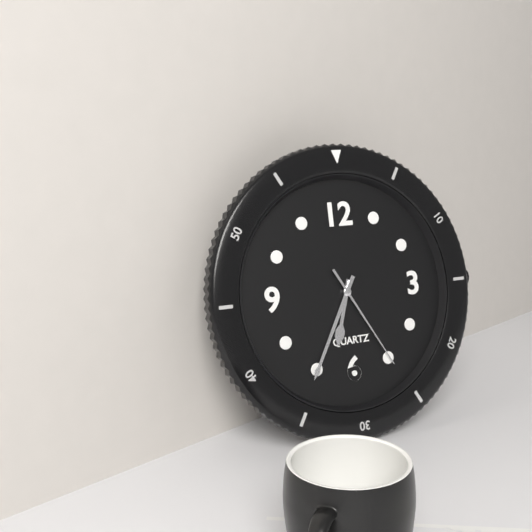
{"hour": 6, "minute": 35, "second": 25}
